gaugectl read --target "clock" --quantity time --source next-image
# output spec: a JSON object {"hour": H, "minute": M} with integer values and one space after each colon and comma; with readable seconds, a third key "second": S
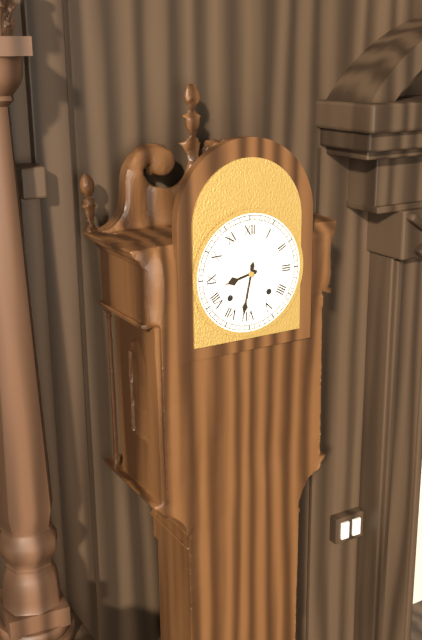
{"hour": 8, "minute": 32}
